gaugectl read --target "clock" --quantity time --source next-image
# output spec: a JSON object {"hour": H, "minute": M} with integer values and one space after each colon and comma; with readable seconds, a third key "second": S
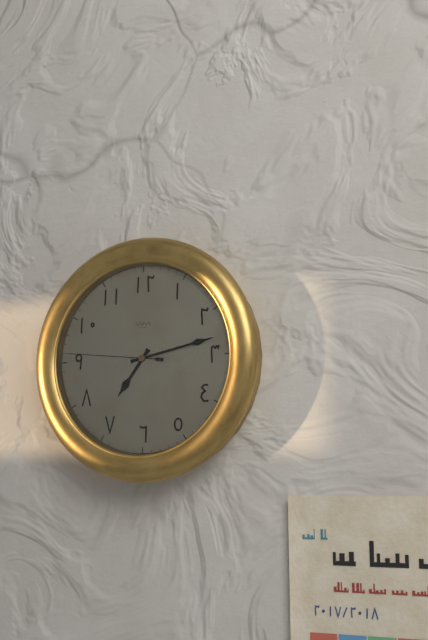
{"hour": 7, "minute": 13, "second": 46}
